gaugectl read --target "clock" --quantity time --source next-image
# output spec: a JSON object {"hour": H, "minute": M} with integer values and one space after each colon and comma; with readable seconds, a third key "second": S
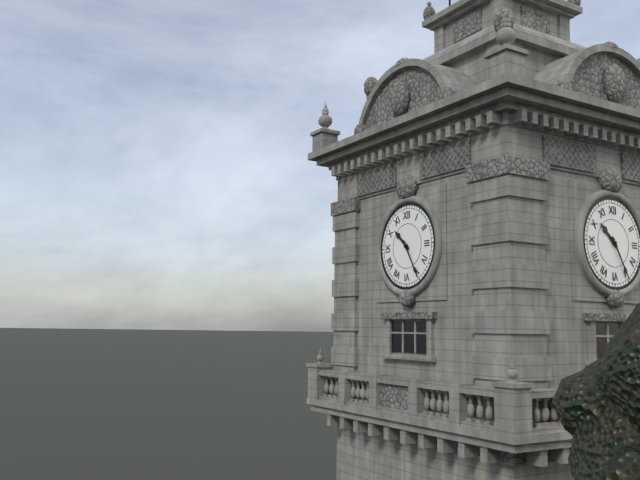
{"hour": 10, "minute": 25}
